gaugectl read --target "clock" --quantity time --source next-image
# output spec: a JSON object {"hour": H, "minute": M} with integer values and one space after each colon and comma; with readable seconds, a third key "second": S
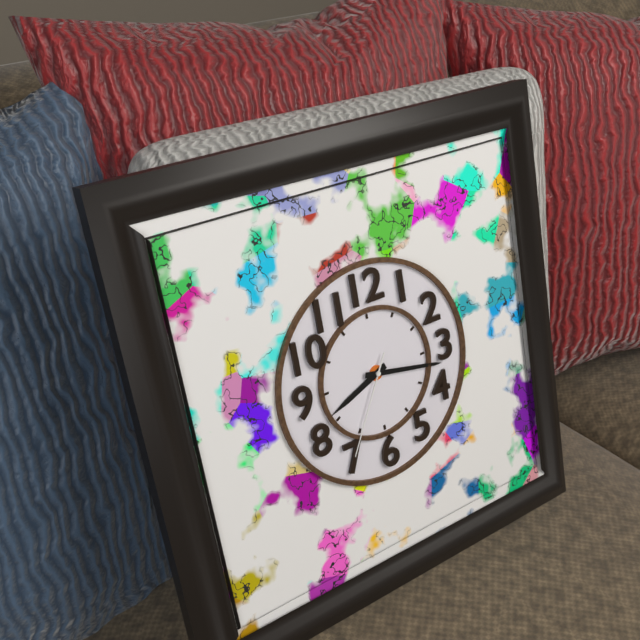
{"hour": 8, "minute": 17, "second": 35}
